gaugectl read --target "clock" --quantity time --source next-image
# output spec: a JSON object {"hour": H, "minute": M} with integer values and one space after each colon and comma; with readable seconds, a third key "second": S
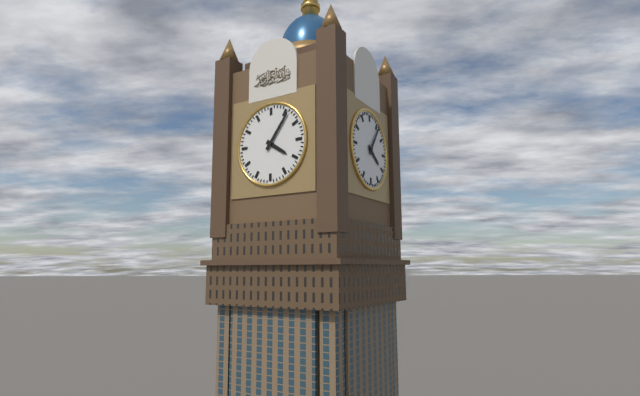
{"hour": 4, "minute": 6}
